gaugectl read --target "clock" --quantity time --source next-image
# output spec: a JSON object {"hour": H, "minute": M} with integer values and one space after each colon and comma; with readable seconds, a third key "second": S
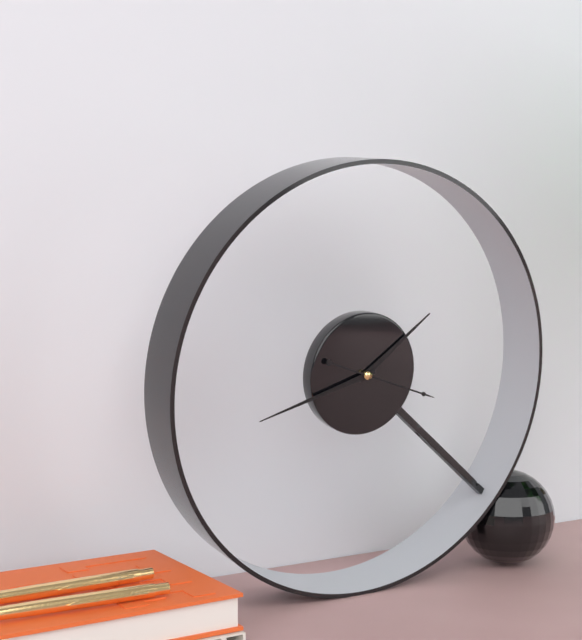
{"hour": 1, "minute": 42, "second": 18}
